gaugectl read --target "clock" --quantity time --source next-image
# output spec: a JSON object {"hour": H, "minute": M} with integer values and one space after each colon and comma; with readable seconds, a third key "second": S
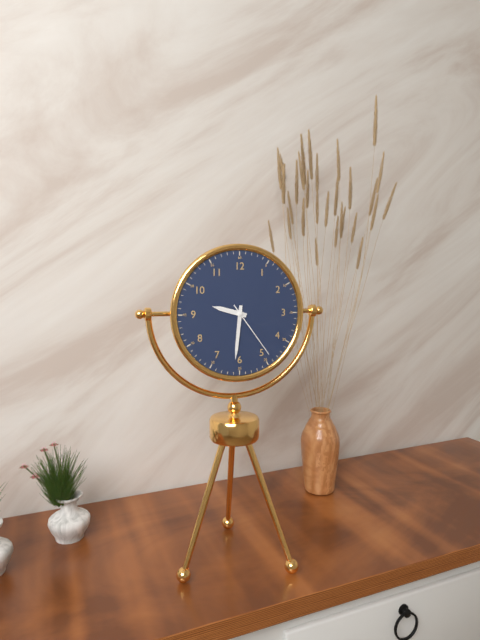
{"hour": 9, "minute": 31, "second": 24}
